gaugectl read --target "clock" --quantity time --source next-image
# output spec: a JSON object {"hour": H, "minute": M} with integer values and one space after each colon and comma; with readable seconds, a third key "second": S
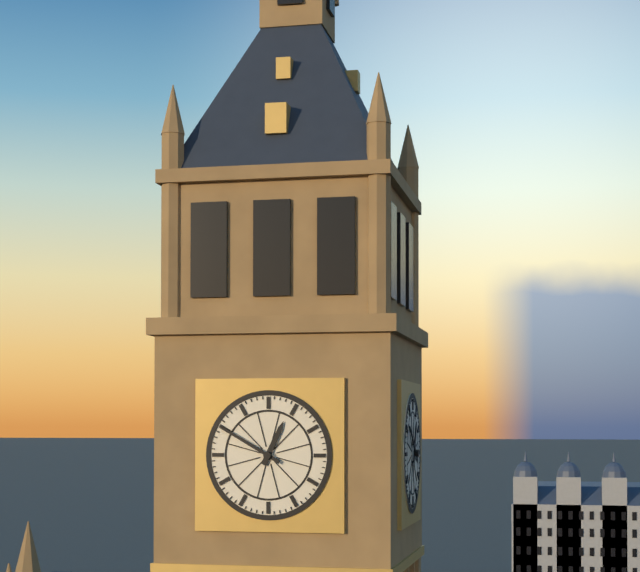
{"hour": 12, "minute": 50}
